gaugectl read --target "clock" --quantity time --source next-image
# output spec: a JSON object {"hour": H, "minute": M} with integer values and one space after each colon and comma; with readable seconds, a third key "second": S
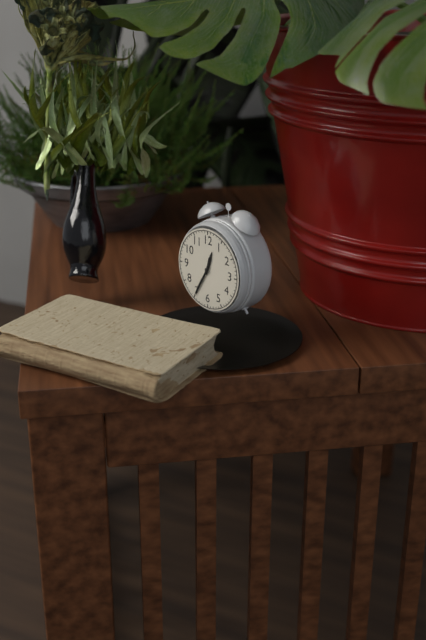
{"hour": 12, "minute": 35}
